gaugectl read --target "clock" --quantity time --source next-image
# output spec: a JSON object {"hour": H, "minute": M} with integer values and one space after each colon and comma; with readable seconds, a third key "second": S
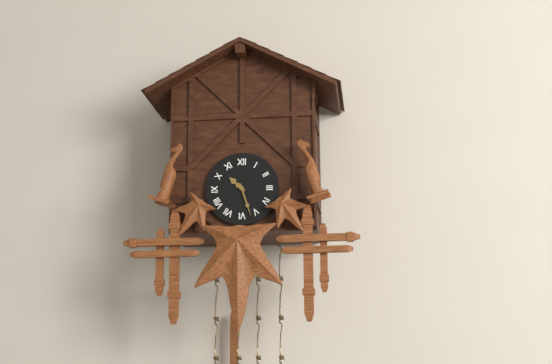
{"hour": 10, "minute": 27}
